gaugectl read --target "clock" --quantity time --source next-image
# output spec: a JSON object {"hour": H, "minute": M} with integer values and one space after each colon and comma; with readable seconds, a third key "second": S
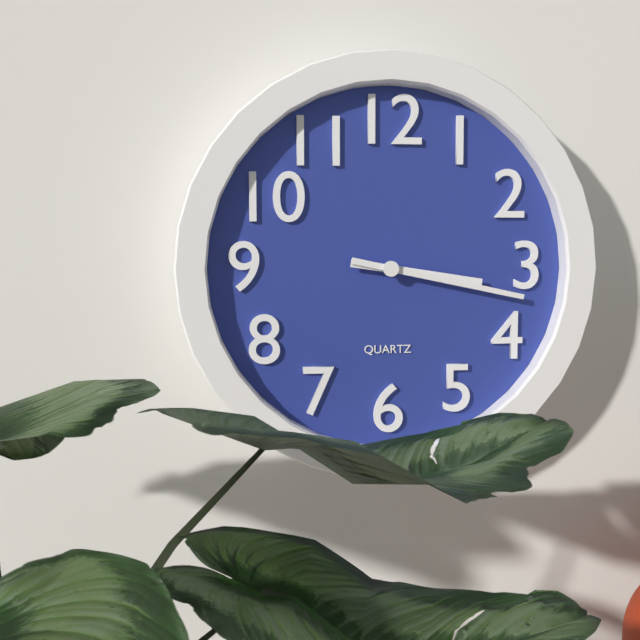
{"hour": 3, "minute": 17}
